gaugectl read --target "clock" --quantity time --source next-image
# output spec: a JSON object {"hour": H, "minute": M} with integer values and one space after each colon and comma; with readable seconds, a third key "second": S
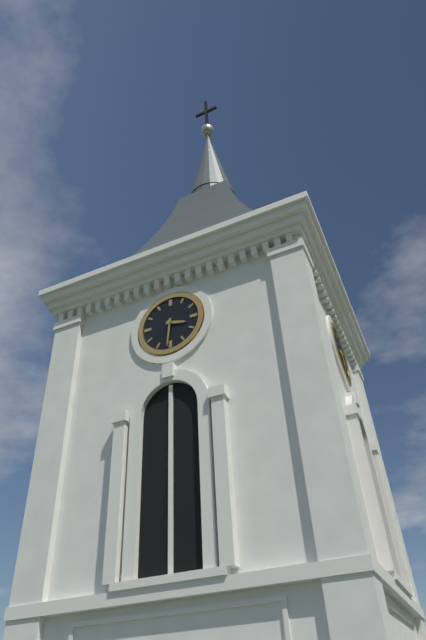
{"hour": 3, "minute": 31}
